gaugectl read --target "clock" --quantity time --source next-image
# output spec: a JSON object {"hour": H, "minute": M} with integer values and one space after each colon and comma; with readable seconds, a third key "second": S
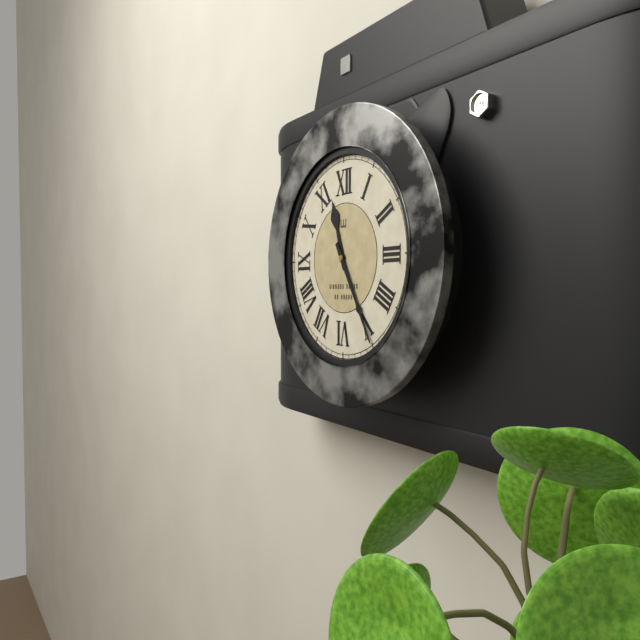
{"hour": 11, "minute": 25}
